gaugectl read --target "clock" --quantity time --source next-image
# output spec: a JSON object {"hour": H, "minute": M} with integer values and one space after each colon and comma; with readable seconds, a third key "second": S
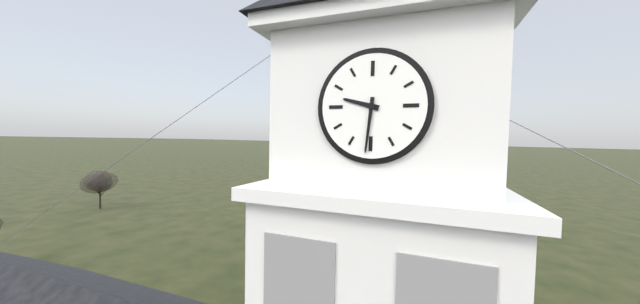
{"hour": 9, "minute": 31}
